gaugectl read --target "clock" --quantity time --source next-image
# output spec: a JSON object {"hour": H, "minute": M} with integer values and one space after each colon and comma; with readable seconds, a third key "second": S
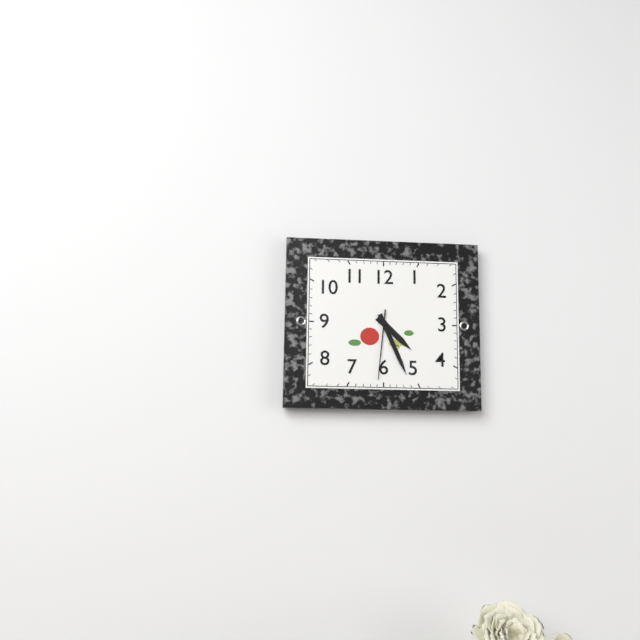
{"hour": 4, "minute": 26, "second": 31}
